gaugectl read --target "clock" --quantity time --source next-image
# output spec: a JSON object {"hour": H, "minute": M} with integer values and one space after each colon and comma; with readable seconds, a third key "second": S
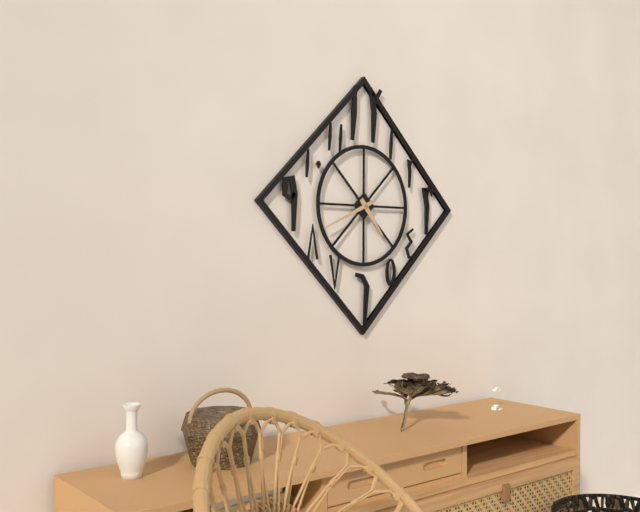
{"hour": 4, "minute": 41}
